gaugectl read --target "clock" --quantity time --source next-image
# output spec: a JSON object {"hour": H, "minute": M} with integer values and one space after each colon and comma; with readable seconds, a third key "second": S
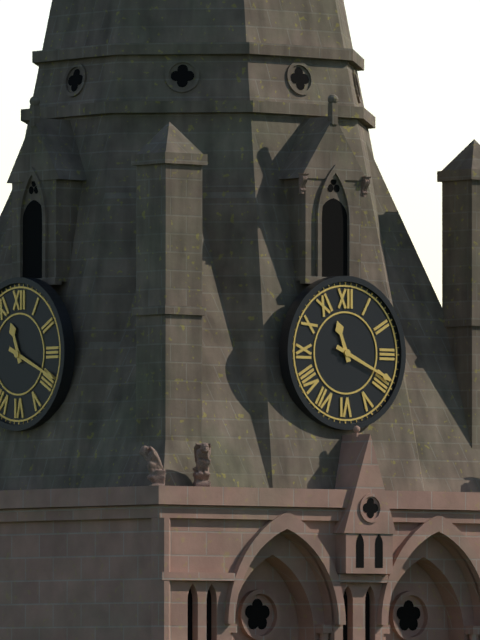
{"hour": 11, "minute": 19}
